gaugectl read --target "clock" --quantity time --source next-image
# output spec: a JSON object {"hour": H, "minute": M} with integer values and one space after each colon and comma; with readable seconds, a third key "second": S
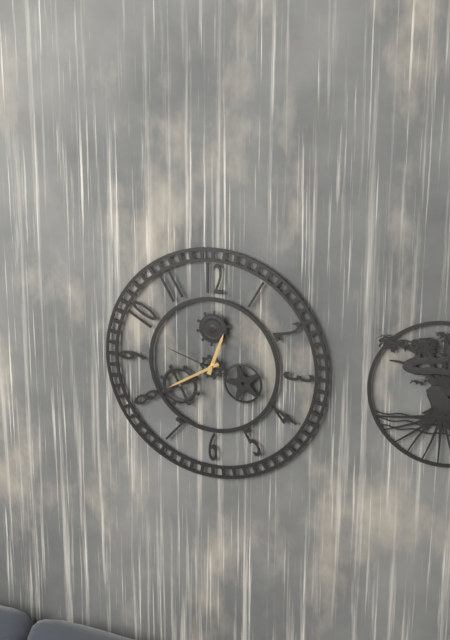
{"hour": 12, "minute": 40, "second": 48}
